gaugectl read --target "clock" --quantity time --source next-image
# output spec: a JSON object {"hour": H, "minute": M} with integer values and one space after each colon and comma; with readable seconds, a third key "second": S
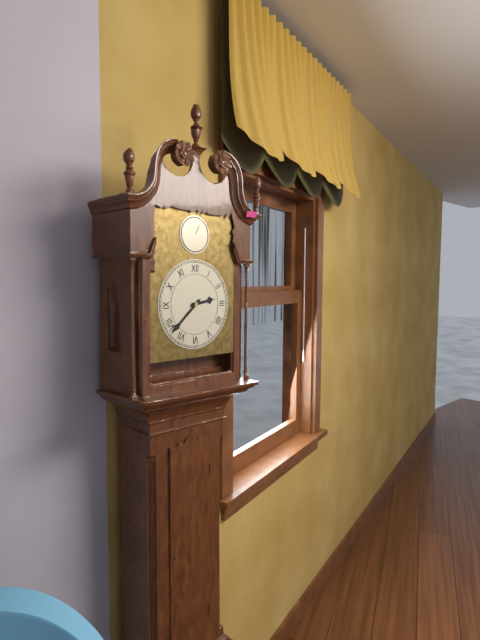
{"hour": 2, "minute": 38}
